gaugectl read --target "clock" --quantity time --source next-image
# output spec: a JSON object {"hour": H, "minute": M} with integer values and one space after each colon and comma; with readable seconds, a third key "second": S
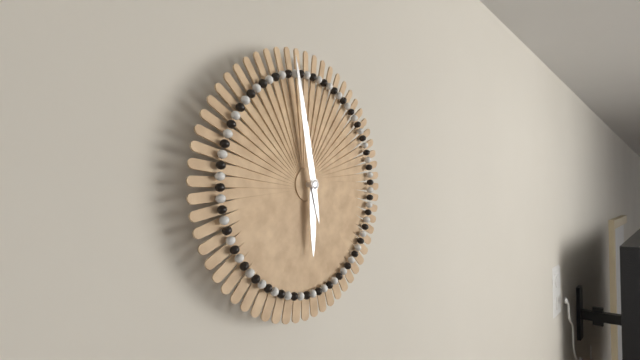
{"hour": 5, "minute": 58}
